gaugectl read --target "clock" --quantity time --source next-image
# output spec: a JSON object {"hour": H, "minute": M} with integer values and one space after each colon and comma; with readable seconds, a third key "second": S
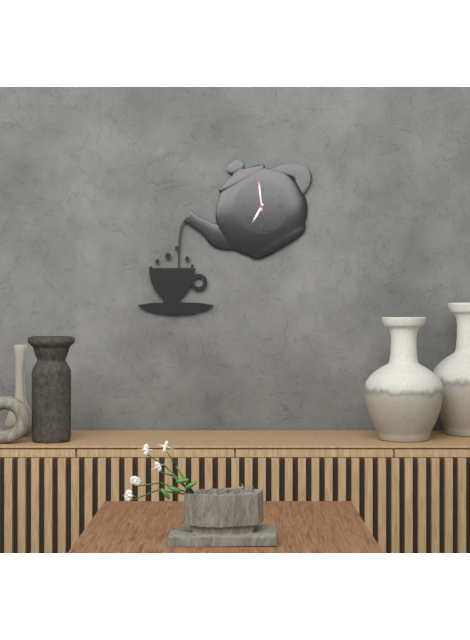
{"hour": 6, "minute": 59}
